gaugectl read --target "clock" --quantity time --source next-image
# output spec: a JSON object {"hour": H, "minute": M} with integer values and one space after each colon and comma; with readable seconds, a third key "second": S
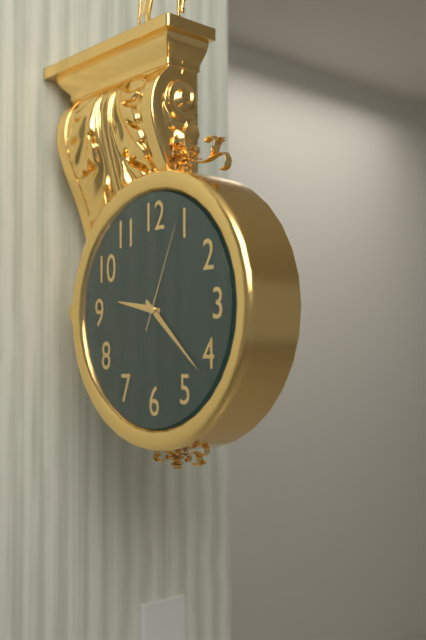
{"hour": 9, "minute": 22, "second": 4}
